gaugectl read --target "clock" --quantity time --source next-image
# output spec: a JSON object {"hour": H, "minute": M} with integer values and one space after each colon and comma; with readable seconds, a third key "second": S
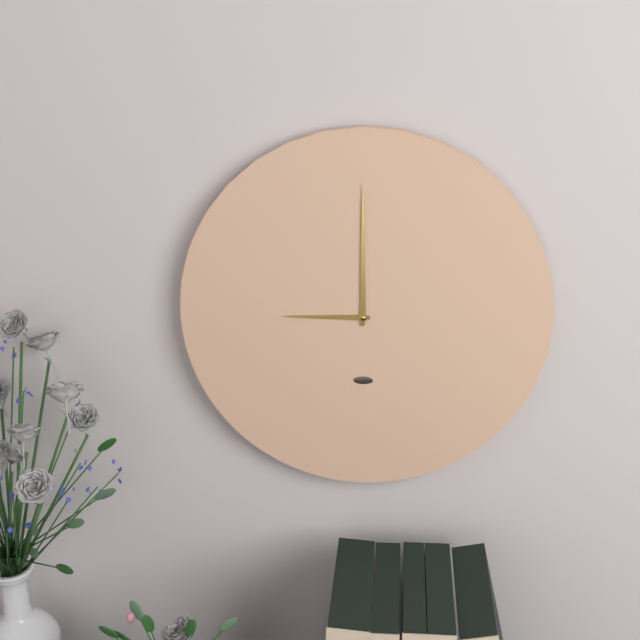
{"hour": 9, "minute": 0}
